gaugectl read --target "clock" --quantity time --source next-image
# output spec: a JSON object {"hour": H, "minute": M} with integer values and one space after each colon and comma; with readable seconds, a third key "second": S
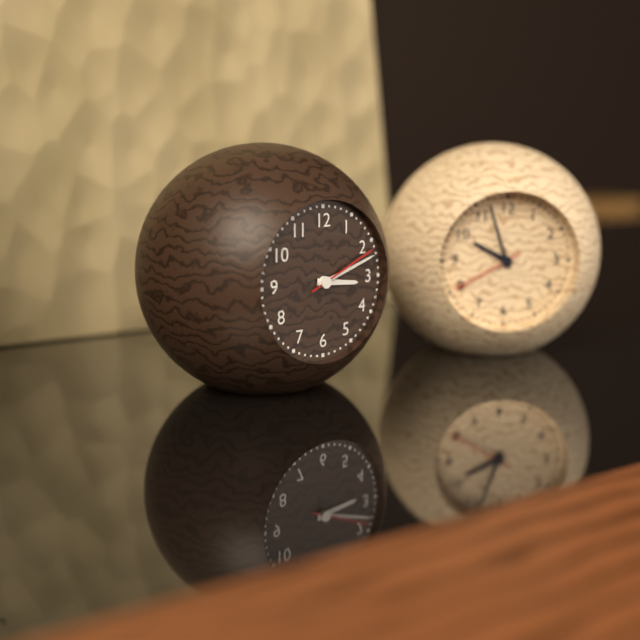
{"hour": 3, "minute": 12, "second": 11}
